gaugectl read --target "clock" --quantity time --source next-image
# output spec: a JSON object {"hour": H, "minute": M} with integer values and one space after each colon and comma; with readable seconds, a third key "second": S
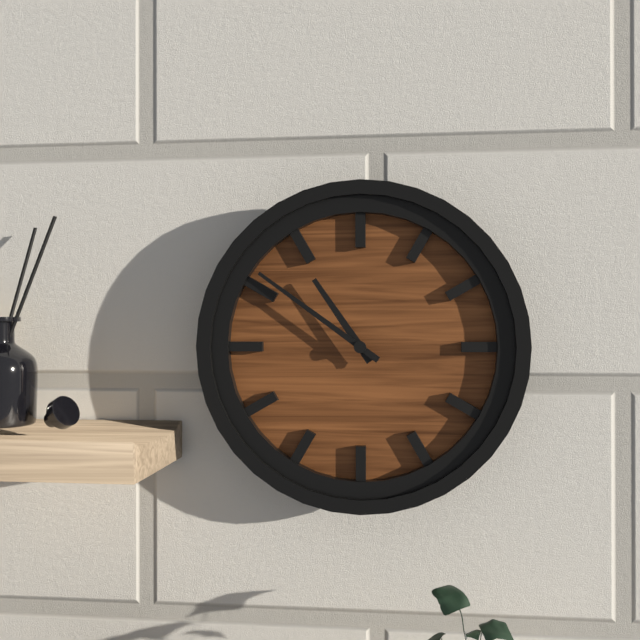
{"hour": 10, "minute": 51}
